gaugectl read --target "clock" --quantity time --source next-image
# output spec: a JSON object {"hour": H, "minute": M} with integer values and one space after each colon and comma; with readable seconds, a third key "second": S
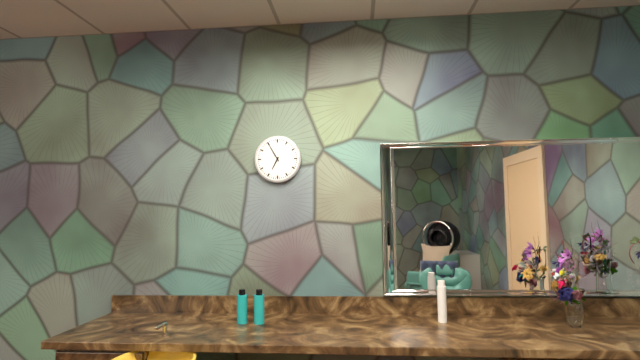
{"hour": 6, "minute": 55}
